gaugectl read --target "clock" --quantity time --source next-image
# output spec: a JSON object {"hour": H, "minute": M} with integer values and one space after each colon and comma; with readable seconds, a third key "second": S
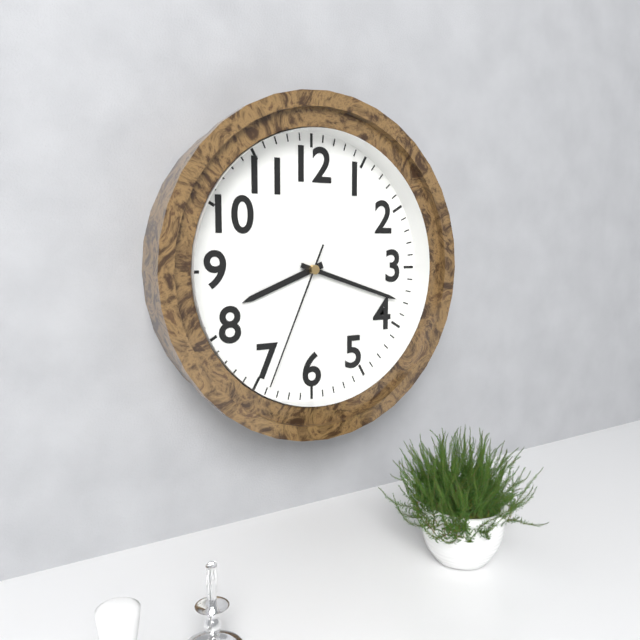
{"hour": 8, "minute": 18, "second": 34}
